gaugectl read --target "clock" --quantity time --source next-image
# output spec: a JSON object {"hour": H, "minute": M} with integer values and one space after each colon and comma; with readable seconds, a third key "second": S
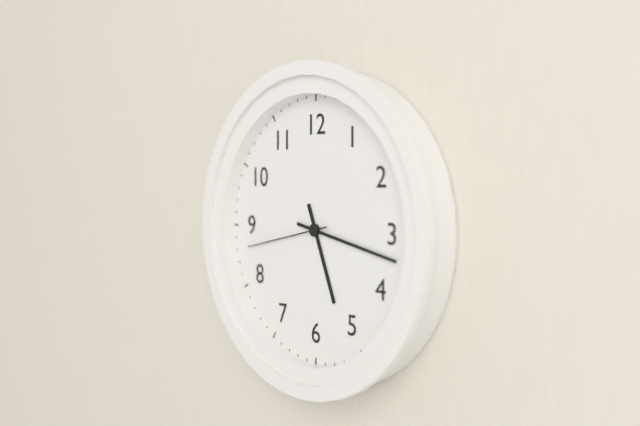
{"hour": 5, "minute": 17, "second": 43}
